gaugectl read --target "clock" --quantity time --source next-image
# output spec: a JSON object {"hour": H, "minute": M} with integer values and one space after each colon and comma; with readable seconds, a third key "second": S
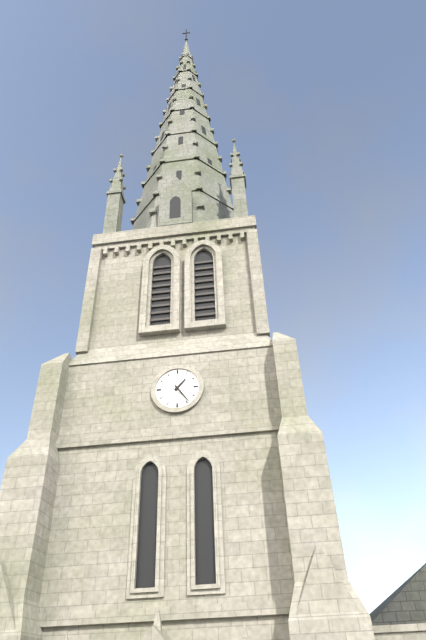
{"hour": 1, "minute": 24}
